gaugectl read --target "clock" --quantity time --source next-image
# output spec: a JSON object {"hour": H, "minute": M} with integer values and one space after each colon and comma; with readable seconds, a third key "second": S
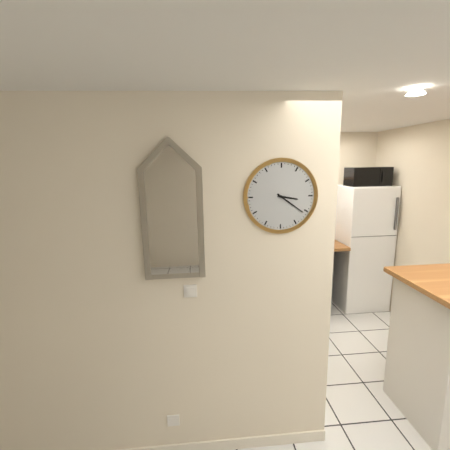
{"hour": 3, "minute": 21}
